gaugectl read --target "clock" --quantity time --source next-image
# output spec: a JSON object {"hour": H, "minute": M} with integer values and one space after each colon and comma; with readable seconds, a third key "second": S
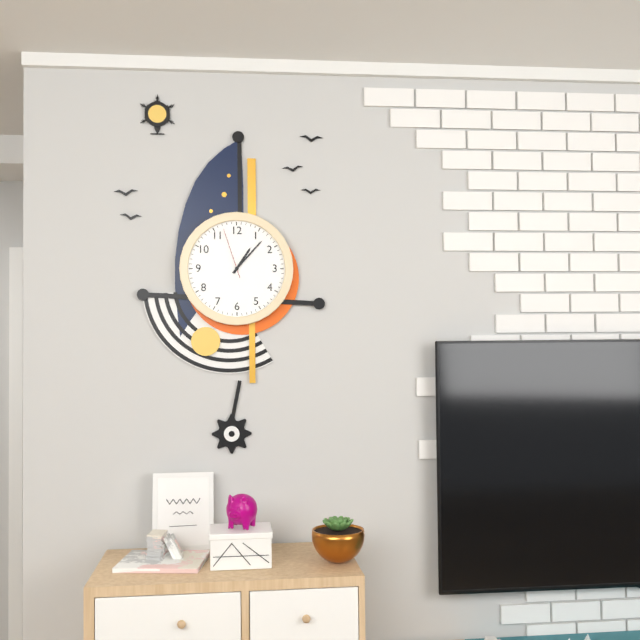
{"hour": 1, "minute": 7, "second": 57}
